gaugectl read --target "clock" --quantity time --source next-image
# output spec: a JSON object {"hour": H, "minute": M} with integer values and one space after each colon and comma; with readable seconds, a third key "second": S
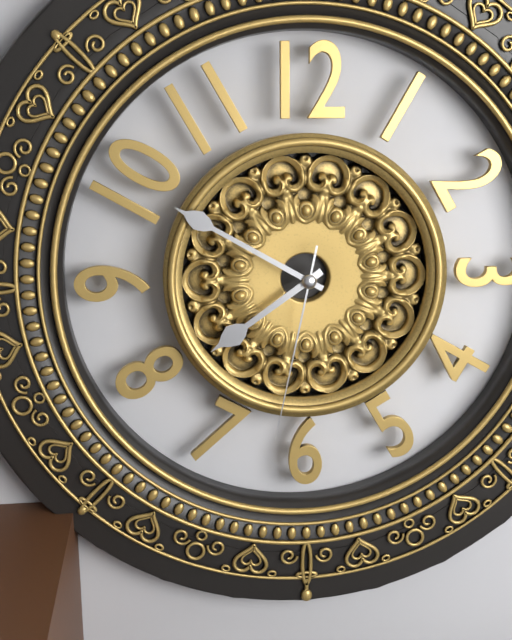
{"hour": 7, "minute": 50, "second": 32}
